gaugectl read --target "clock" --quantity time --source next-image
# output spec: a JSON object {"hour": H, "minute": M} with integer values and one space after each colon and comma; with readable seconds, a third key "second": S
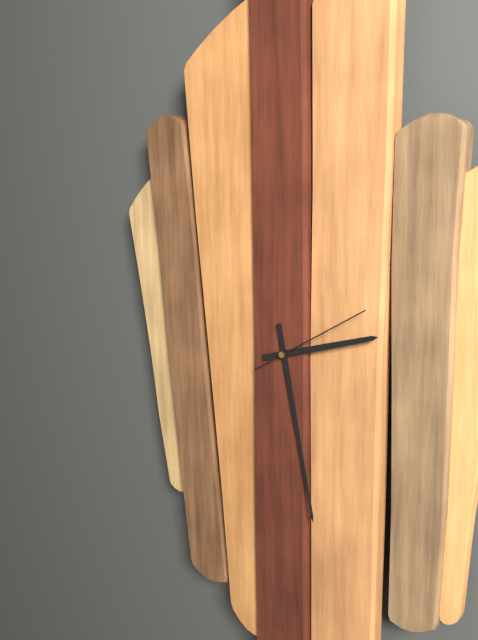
{"hour": 2, "minute": 28, "second": 10}
